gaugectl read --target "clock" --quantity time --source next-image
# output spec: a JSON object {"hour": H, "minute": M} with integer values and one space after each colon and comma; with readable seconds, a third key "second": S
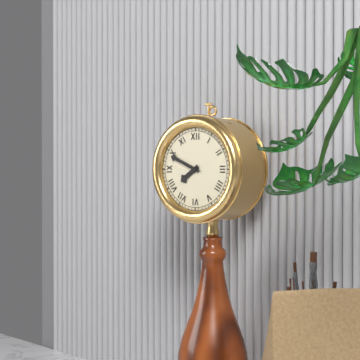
{"hour": 7, "minute": 49}
